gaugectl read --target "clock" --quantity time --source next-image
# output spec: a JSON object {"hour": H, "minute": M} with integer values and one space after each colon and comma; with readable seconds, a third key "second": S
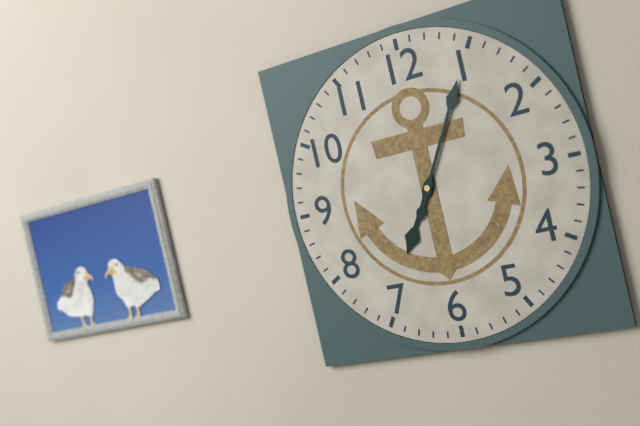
{"hour": 7, "minute": 5}
